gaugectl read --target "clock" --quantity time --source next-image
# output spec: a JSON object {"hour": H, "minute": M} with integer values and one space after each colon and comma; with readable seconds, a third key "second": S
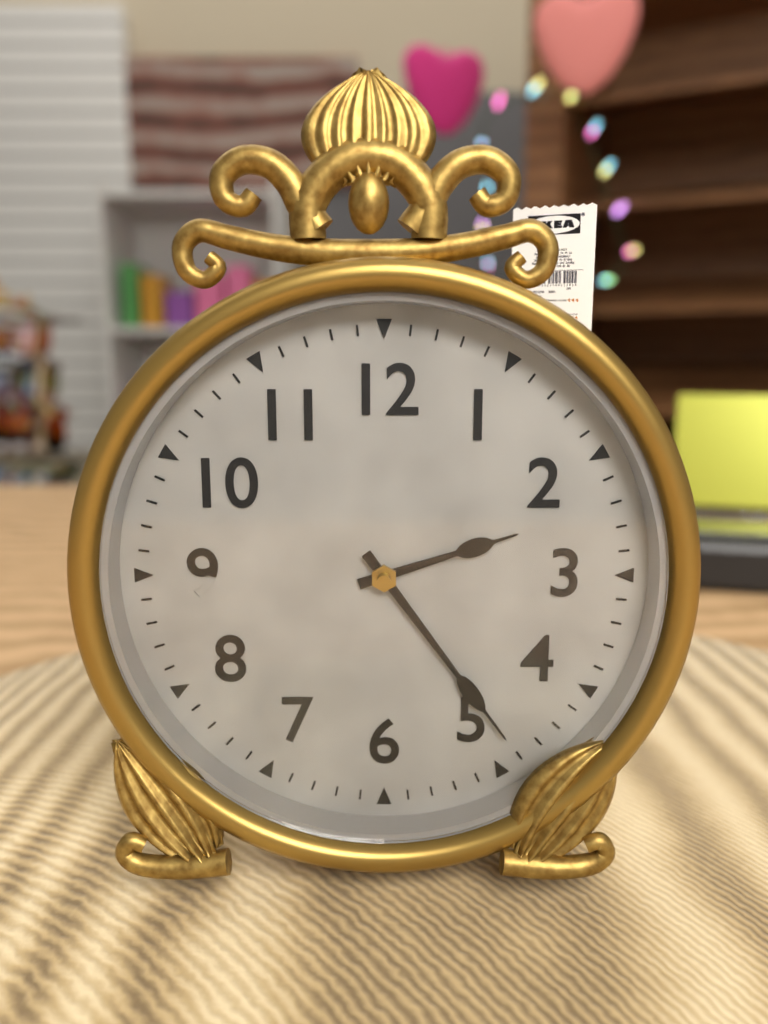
{"hour": 2, "minute": 24}
